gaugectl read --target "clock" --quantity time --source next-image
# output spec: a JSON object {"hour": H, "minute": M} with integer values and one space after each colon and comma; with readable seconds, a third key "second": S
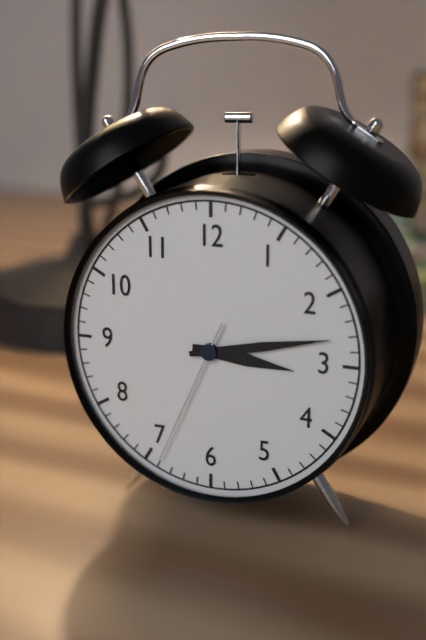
{"hour": 3, "minute": 13, "second": 34}
